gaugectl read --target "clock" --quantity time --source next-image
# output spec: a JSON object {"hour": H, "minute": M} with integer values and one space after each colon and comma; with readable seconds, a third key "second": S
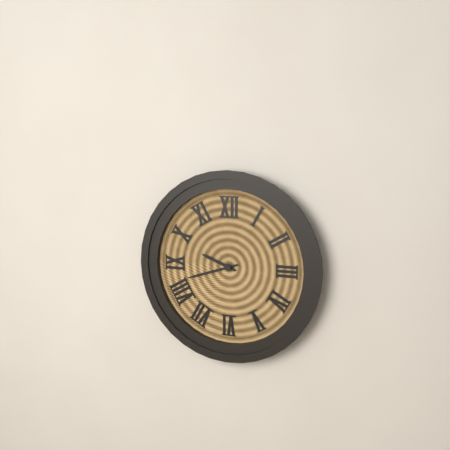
{"hour": 9, "minute": 42}
